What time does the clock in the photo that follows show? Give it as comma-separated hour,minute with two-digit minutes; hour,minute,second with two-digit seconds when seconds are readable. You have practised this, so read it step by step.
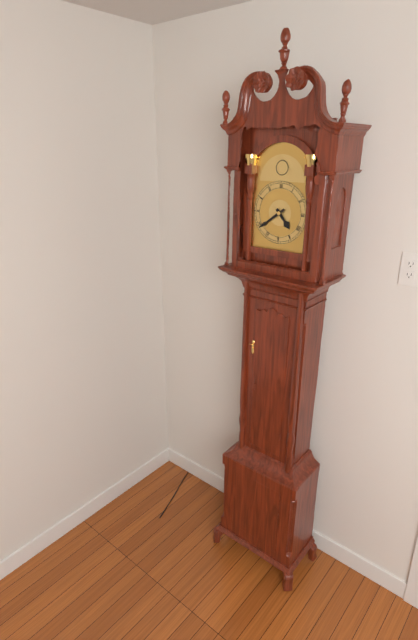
4,39
